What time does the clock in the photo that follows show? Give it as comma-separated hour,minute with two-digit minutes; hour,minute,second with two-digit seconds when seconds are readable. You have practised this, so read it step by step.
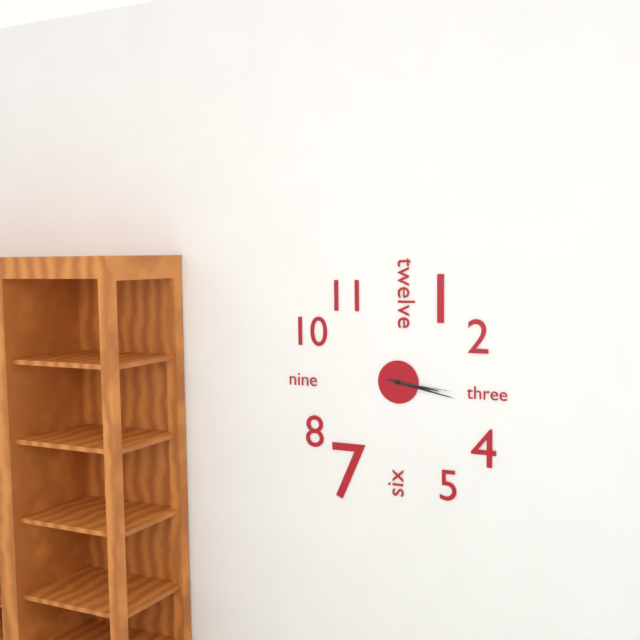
3,17,16
